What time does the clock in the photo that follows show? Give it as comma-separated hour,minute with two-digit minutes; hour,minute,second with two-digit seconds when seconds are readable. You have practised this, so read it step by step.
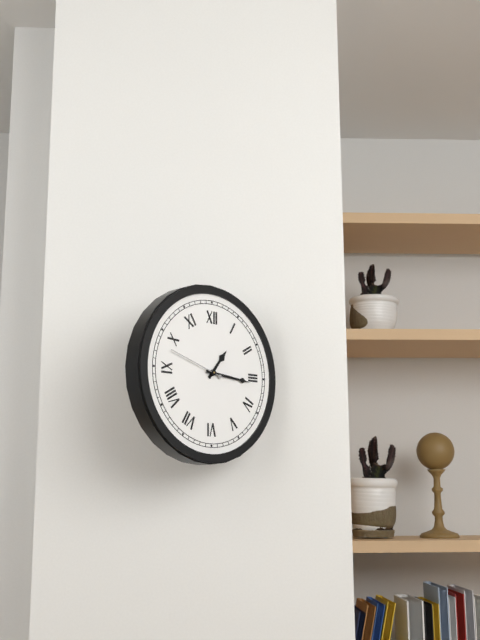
1,16,48
